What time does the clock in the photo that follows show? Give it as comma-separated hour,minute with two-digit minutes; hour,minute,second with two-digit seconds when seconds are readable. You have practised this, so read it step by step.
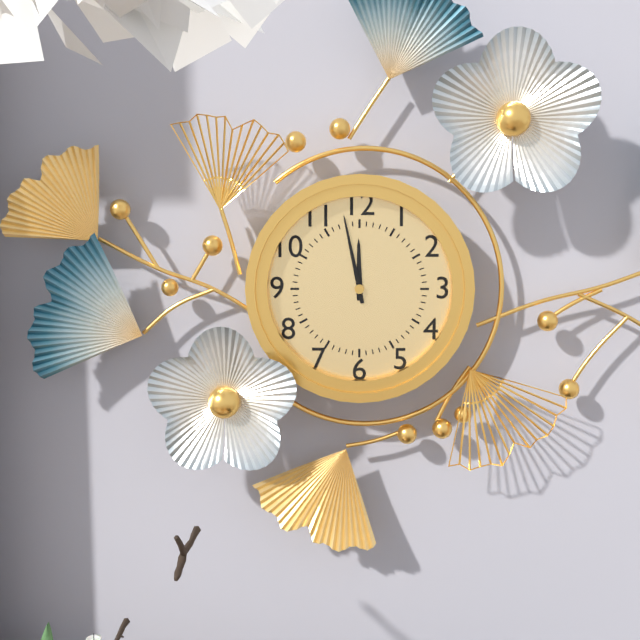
11,58
